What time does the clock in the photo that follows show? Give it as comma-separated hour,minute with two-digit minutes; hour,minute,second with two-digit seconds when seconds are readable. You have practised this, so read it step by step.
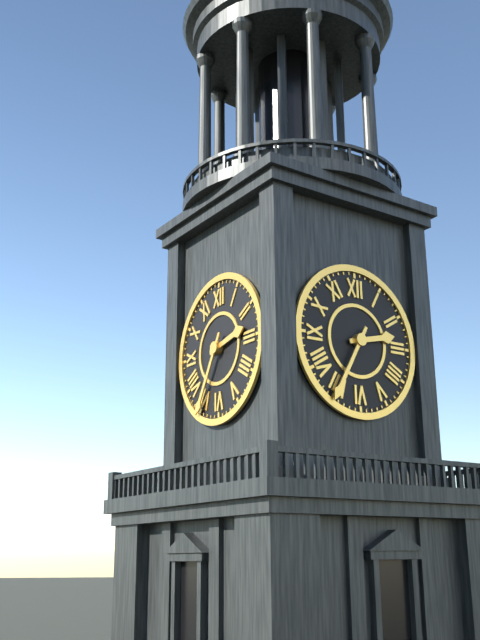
2,35
